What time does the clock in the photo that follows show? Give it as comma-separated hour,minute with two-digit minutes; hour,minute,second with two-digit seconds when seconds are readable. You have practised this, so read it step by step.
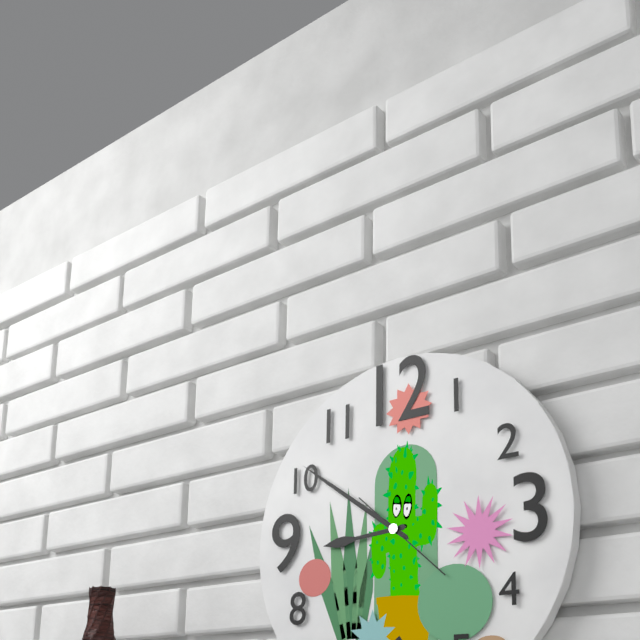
8,51,22
